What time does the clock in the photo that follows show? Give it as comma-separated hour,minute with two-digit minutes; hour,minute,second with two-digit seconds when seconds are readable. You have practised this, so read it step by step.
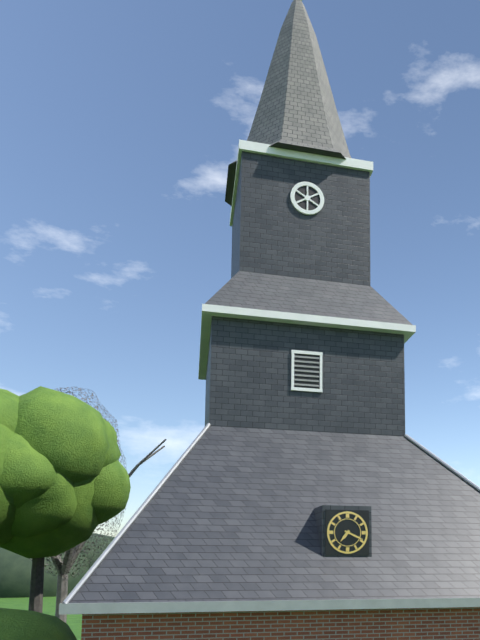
7,19
